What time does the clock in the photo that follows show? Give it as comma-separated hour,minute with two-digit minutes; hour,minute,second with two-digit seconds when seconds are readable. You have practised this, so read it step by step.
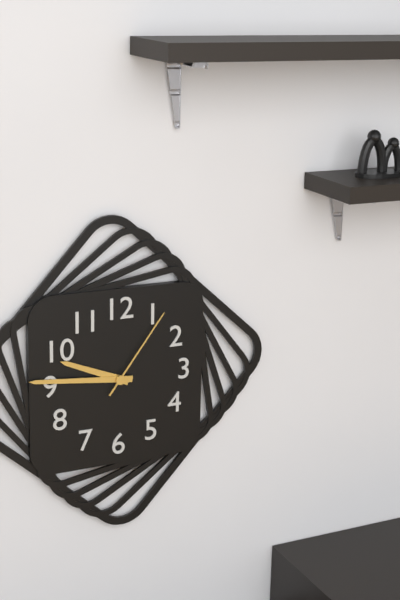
9,46,06
